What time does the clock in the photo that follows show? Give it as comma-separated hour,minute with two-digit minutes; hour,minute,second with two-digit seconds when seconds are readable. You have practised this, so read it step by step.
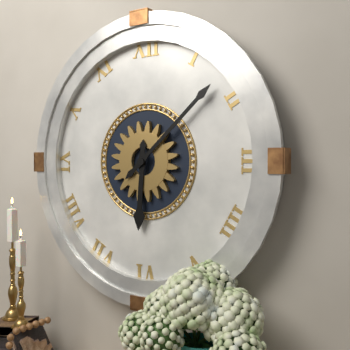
6,08
